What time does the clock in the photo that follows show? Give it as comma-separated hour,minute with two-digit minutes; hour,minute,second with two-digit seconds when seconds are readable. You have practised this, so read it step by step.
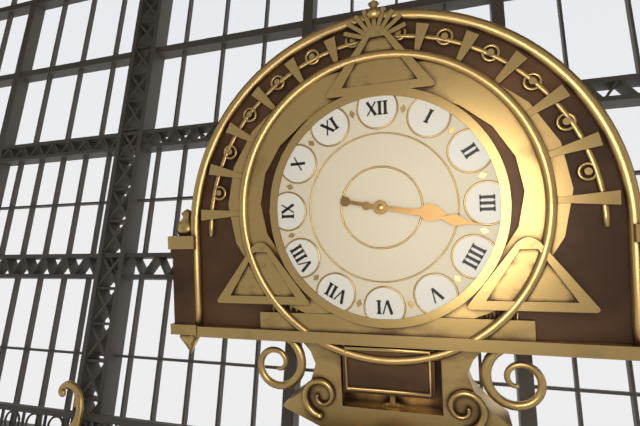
3,17
